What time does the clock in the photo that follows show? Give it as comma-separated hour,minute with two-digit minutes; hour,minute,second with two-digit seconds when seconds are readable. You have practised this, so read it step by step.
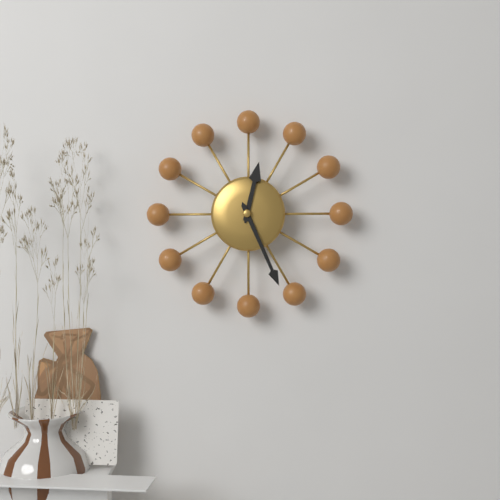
12,26
